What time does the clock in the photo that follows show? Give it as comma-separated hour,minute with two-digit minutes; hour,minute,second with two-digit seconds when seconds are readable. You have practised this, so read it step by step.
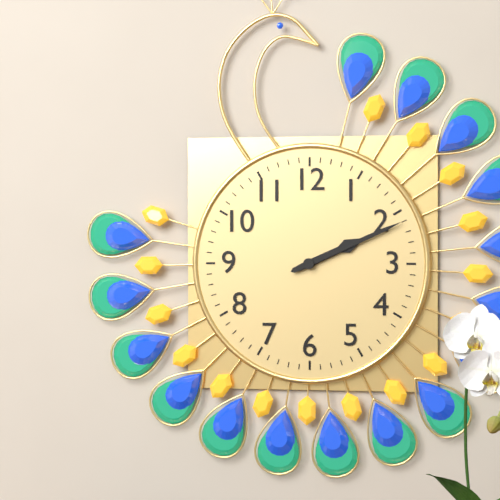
2,11
